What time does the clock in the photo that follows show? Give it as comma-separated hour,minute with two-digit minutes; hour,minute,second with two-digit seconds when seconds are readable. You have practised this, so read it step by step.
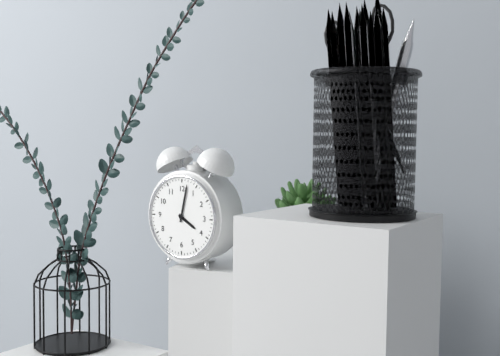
4,02
